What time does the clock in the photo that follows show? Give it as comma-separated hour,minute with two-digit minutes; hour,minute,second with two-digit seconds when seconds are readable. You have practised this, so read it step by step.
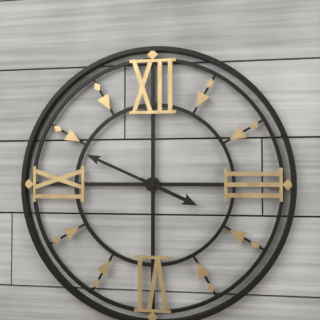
3,49
